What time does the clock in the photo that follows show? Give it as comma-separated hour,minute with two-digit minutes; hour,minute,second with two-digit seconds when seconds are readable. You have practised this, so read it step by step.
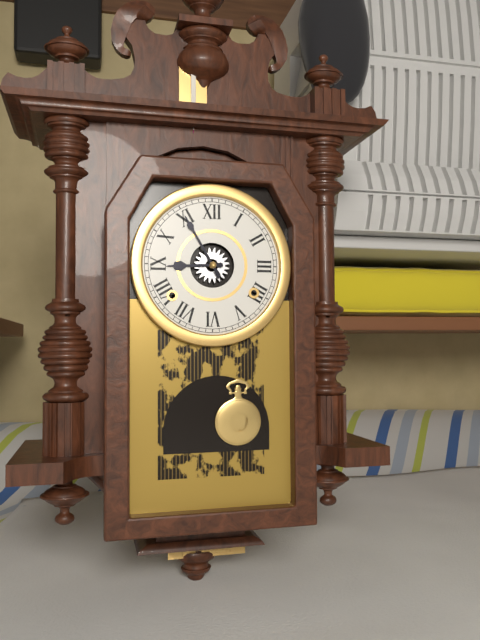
8,55
